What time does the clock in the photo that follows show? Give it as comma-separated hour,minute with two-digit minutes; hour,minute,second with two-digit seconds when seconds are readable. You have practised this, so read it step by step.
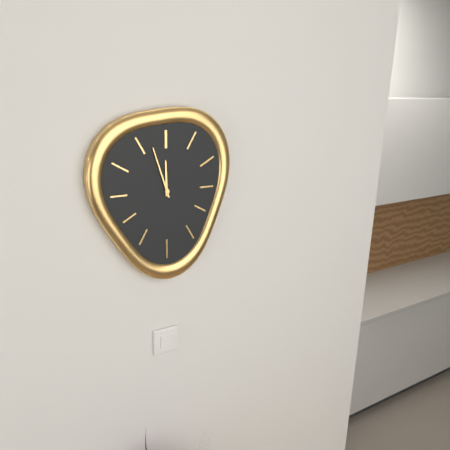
11,57
